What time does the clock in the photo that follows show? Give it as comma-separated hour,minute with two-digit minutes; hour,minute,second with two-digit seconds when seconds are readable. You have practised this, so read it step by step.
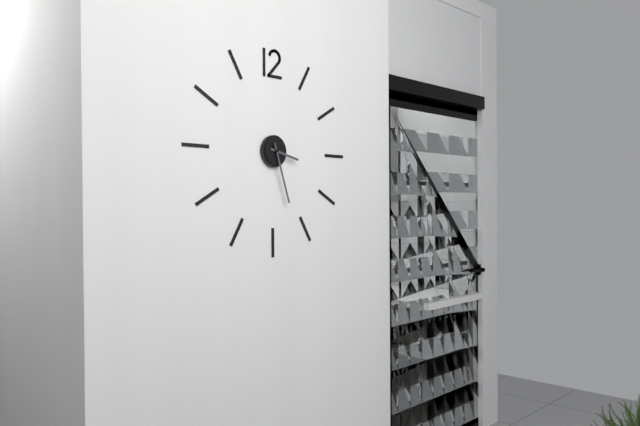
3,27
